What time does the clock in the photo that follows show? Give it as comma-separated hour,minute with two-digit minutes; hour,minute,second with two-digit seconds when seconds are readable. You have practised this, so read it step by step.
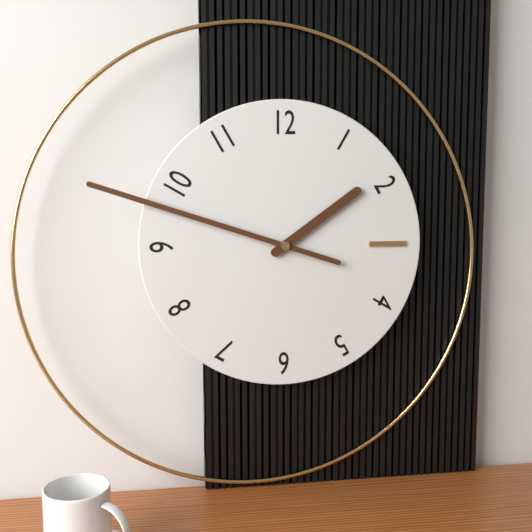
1,48
